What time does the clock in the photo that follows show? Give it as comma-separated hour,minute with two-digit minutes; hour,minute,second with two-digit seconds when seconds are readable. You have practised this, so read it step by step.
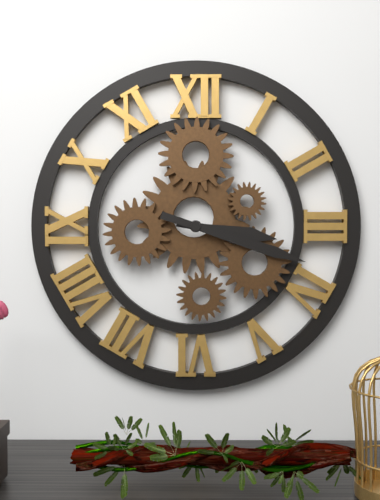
3,18
